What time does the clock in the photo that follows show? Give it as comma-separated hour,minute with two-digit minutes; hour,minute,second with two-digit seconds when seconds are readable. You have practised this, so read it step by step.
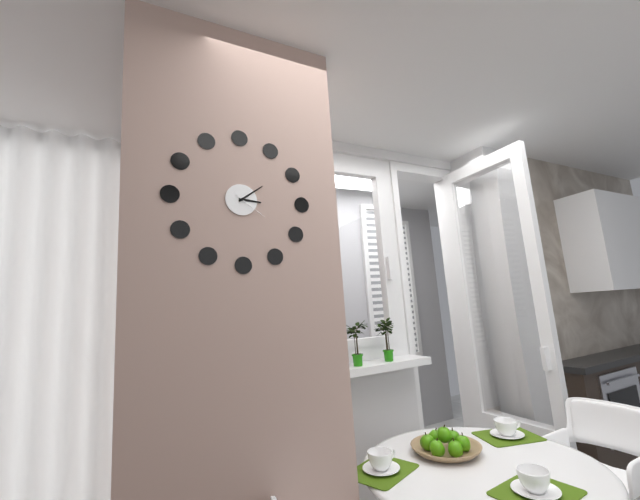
3,09
